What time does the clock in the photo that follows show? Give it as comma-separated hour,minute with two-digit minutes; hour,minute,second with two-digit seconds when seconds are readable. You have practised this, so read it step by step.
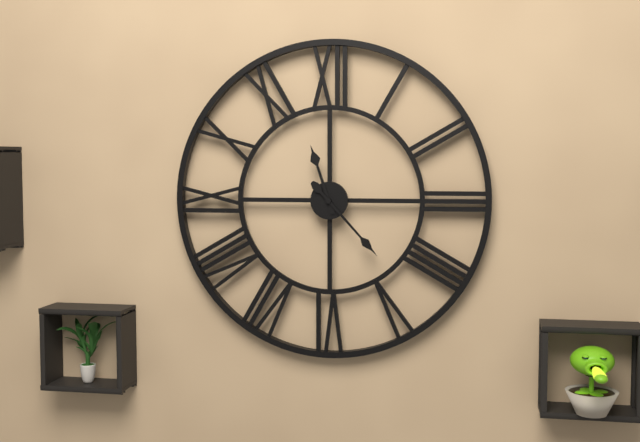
11,23
